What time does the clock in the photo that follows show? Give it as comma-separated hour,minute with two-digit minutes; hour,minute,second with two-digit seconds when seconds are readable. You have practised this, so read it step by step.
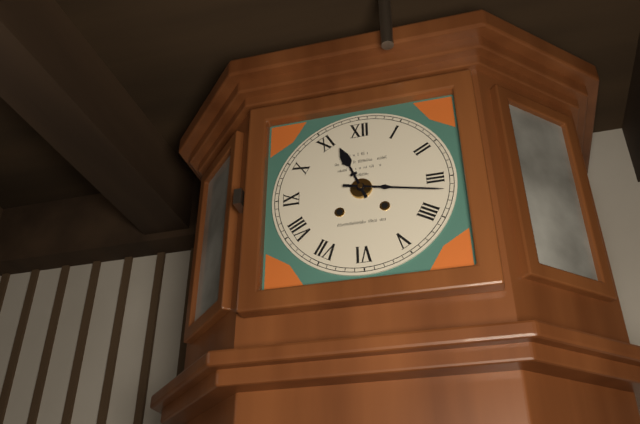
11,17
